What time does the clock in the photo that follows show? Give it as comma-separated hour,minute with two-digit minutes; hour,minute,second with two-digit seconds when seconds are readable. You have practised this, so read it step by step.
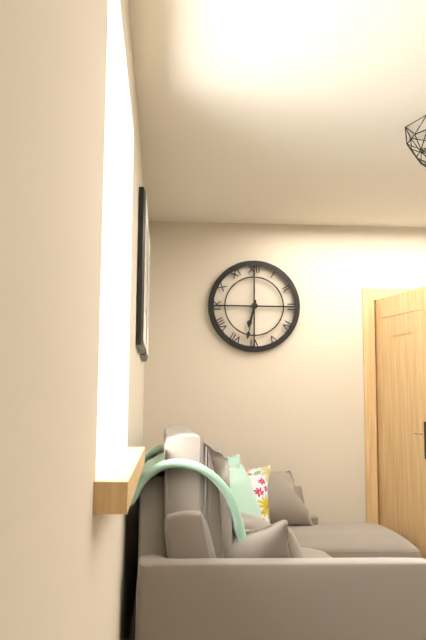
6,32
